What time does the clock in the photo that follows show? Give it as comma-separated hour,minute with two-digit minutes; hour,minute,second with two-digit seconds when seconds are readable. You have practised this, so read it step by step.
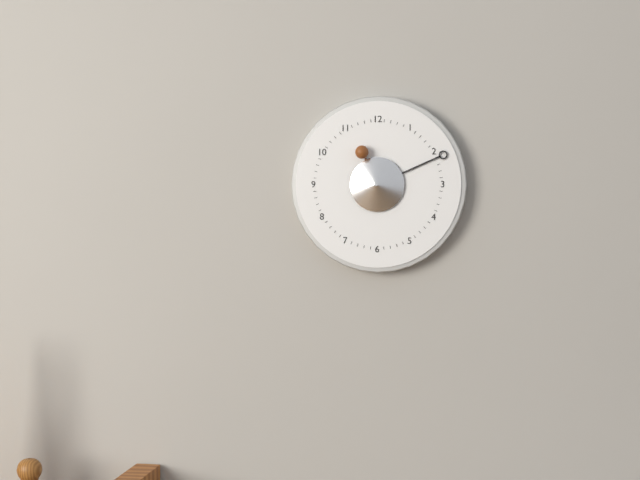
11,11
